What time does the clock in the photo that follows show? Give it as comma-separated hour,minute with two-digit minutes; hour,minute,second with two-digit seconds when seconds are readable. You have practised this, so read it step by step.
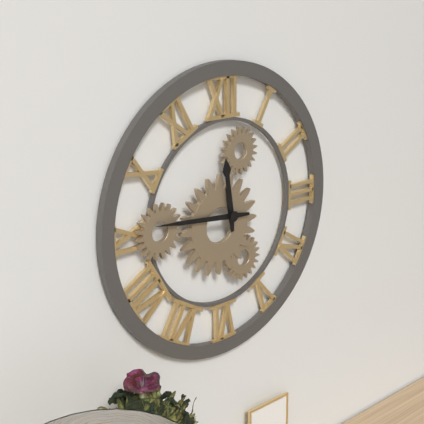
11,46
